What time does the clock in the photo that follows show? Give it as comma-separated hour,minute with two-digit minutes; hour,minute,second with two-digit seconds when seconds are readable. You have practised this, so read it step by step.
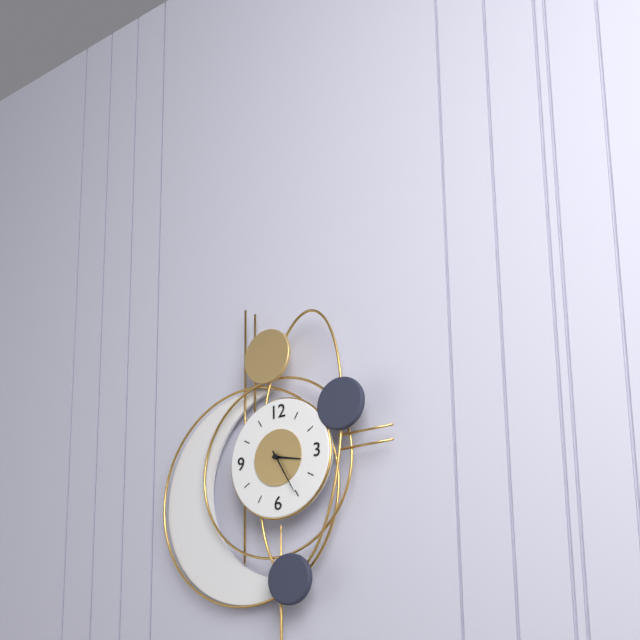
3,25
